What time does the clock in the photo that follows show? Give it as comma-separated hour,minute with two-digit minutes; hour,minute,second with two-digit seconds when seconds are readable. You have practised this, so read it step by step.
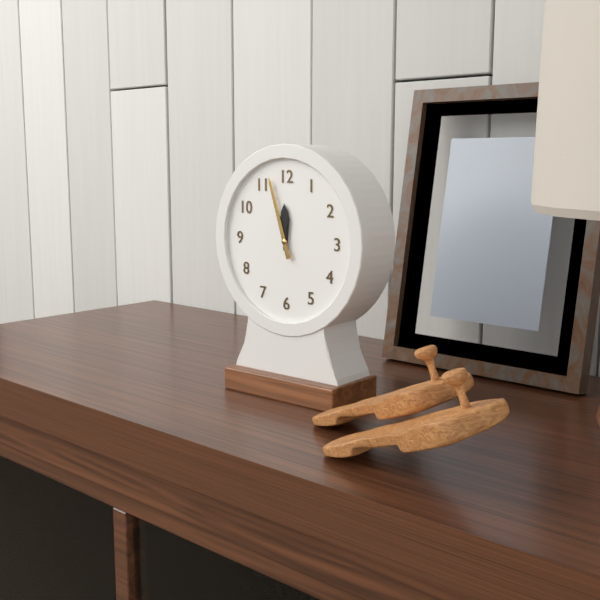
11,57
